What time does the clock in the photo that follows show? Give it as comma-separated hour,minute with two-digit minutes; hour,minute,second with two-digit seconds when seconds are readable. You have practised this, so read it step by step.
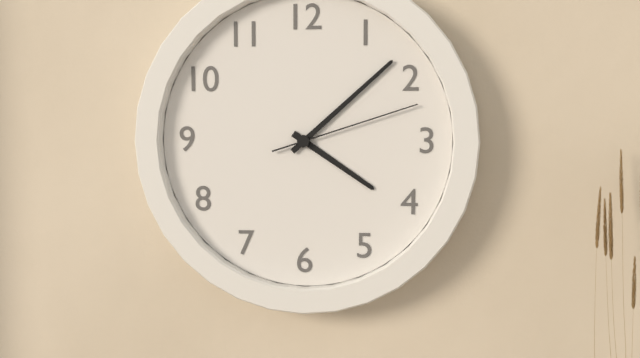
4,08,12
